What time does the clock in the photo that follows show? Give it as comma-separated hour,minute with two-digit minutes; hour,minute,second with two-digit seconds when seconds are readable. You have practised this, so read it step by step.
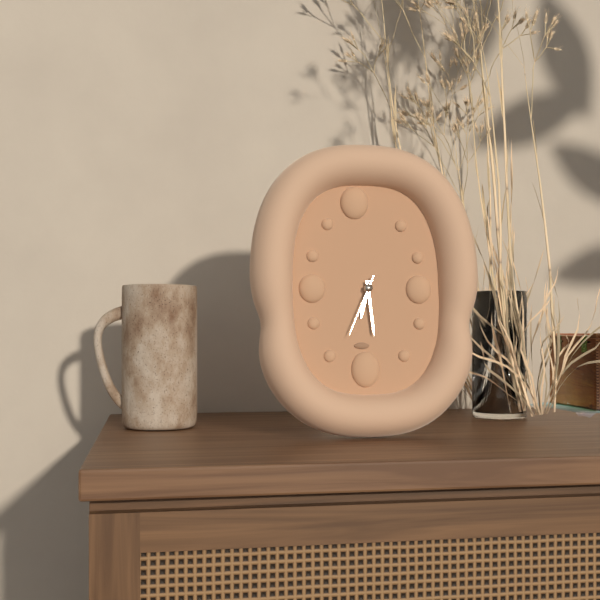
6,29,34
